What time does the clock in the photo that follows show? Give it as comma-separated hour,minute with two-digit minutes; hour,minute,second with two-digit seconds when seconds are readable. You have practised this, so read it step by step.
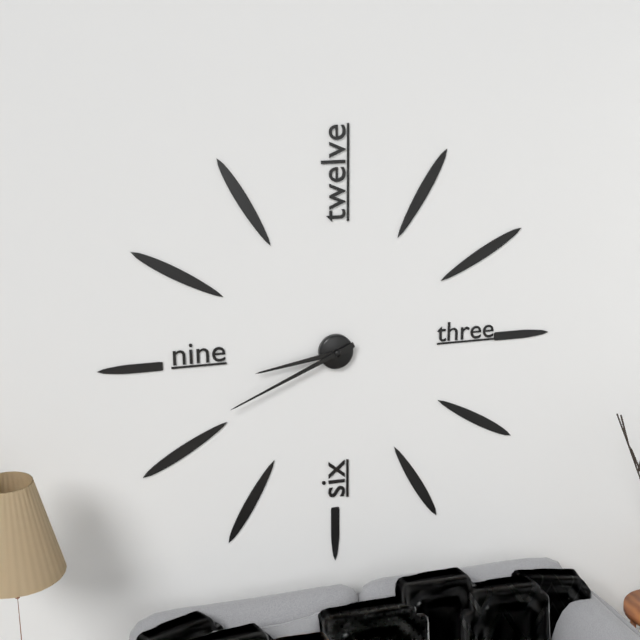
8,41
